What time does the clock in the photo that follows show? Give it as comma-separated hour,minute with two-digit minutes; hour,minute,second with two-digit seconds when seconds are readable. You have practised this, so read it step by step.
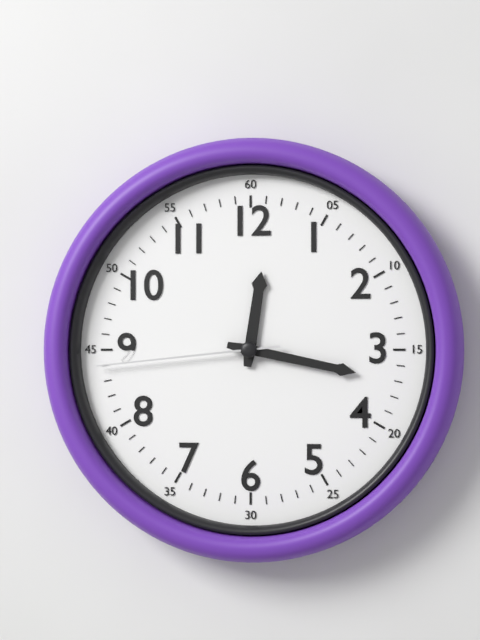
12,17,44
